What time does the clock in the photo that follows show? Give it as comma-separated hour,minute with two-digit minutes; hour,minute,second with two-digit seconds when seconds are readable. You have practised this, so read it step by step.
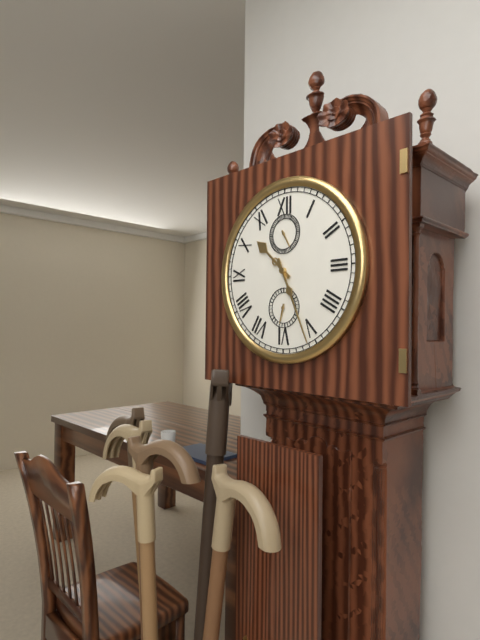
10,26
